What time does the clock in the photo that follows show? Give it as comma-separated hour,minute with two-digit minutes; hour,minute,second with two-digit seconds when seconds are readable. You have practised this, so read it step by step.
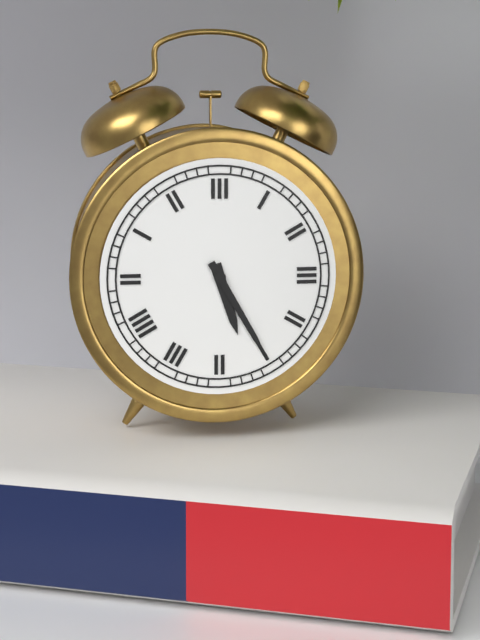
5,25
